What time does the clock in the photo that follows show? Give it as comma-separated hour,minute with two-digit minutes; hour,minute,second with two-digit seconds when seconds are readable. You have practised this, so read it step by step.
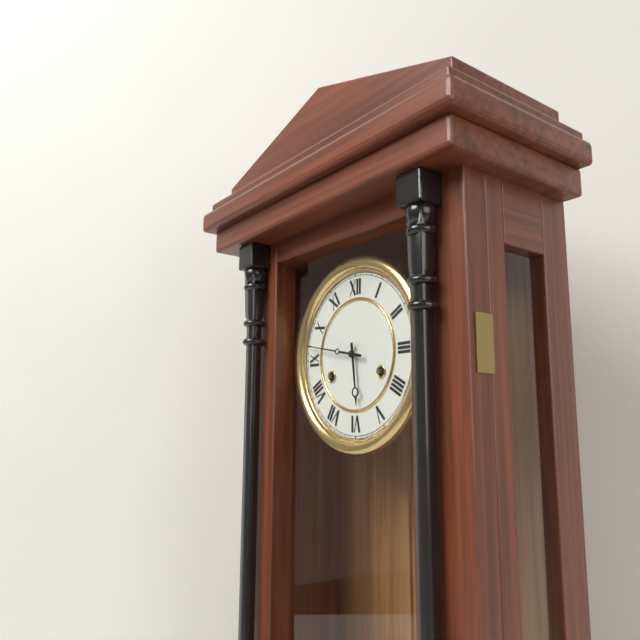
5,47
